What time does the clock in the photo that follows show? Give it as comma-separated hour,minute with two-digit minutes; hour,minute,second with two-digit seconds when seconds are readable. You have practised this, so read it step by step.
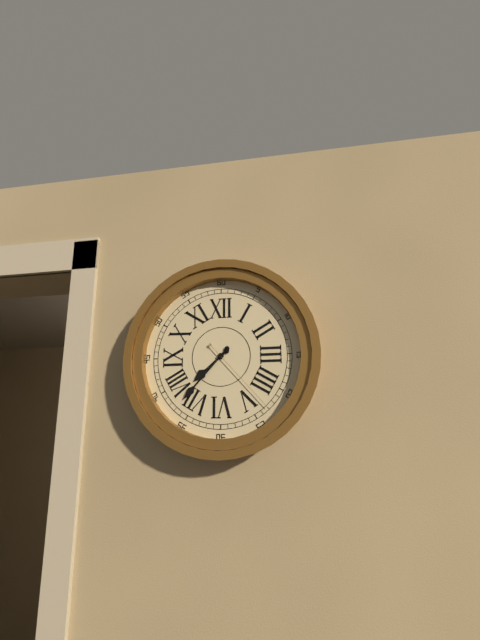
7,37,23
